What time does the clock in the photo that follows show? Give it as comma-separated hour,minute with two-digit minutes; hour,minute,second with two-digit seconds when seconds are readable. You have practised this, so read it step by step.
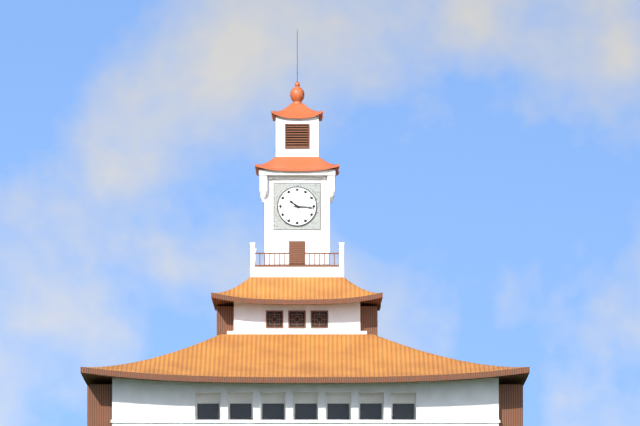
10,16
